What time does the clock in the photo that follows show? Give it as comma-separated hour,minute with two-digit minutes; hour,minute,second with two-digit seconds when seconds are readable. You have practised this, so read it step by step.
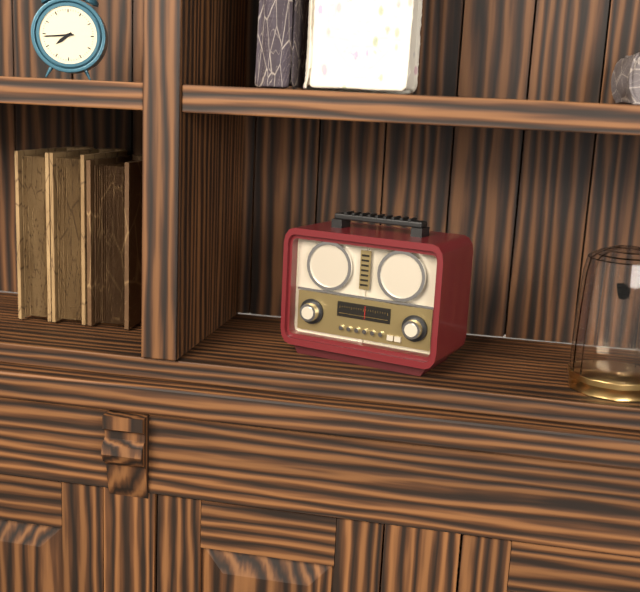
7,44
